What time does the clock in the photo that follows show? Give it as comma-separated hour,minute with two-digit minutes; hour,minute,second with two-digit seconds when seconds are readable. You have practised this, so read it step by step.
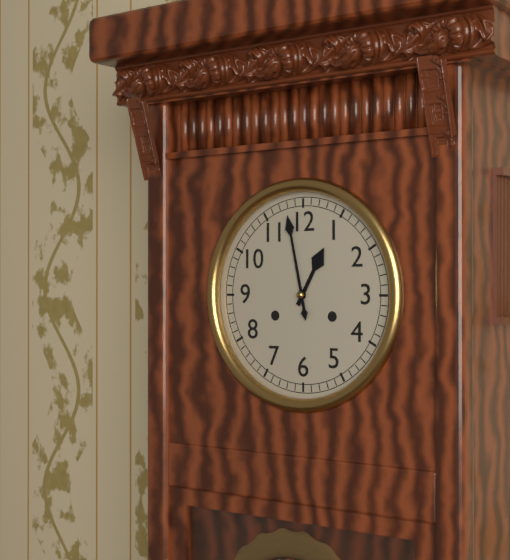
12,58
